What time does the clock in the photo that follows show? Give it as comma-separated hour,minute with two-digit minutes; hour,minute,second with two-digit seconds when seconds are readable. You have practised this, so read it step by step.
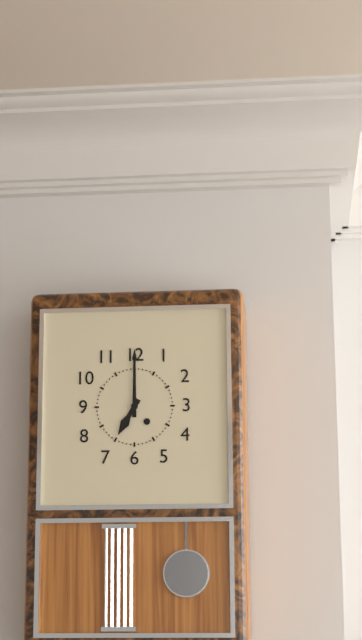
7,00
